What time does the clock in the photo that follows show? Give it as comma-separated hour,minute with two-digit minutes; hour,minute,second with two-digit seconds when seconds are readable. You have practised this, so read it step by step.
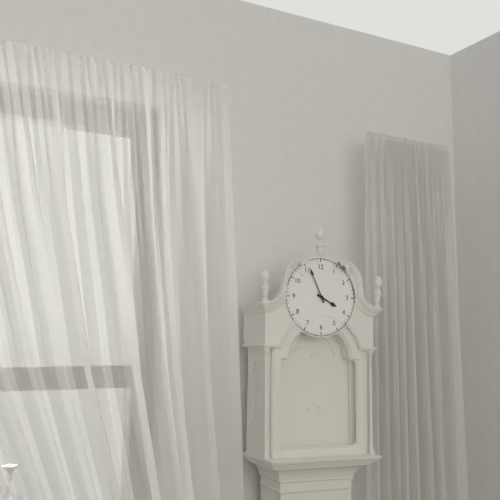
3,56
